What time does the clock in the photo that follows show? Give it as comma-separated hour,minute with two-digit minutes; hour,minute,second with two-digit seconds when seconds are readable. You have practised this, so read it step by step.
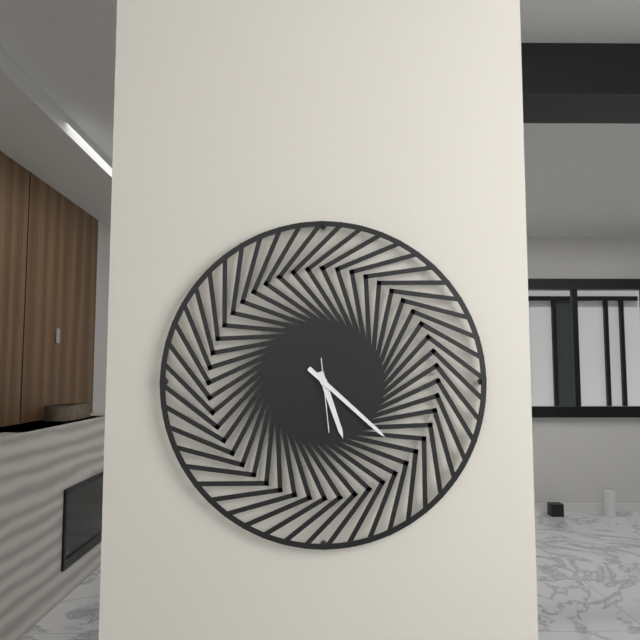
5,22,29
